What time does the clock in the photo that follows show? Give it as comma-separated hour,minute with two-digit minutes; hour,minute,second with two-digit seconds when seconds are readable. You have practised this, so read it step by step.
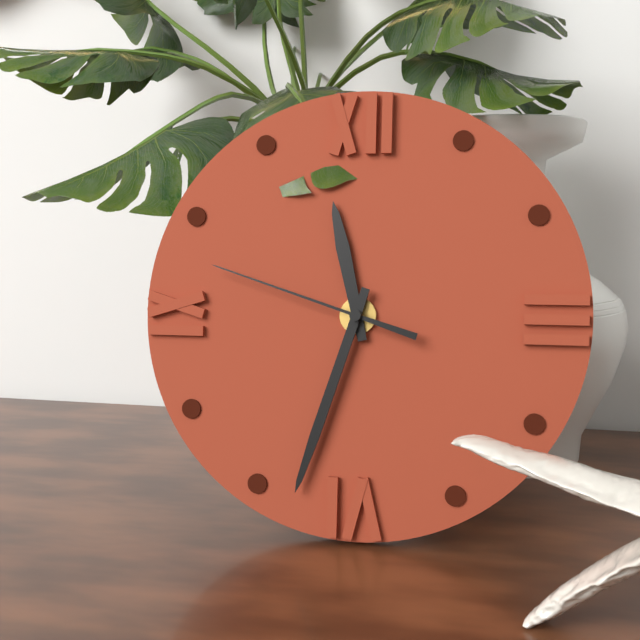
11,33,48
